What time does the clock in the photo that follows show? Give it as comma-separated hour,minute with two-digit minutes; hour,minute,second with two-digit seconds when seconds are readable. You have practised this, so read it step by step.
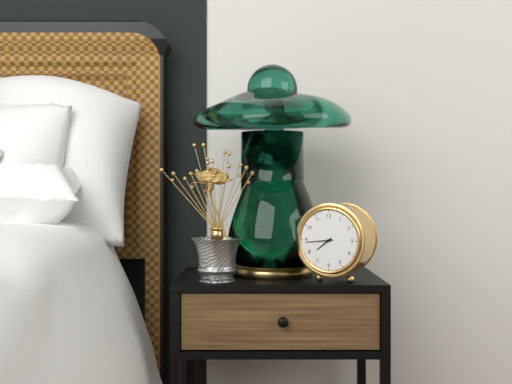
7,44
